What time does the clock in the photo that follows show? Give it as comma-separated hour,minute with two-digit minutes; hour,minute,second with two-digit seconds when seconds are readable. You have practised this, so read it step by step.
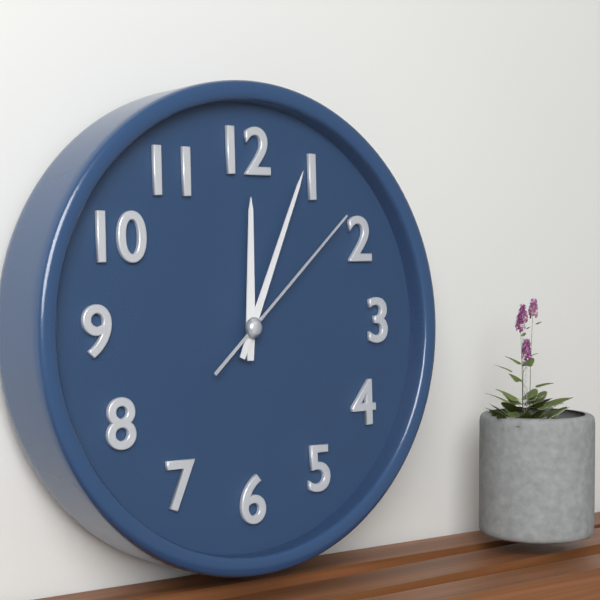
12,04,08
